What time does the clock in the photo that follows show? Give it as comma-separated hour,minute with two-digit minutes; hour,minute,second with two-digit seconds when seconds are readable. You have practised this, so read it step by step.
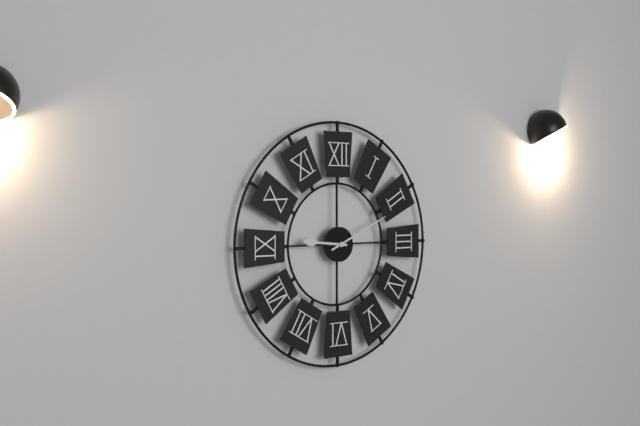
9,11
